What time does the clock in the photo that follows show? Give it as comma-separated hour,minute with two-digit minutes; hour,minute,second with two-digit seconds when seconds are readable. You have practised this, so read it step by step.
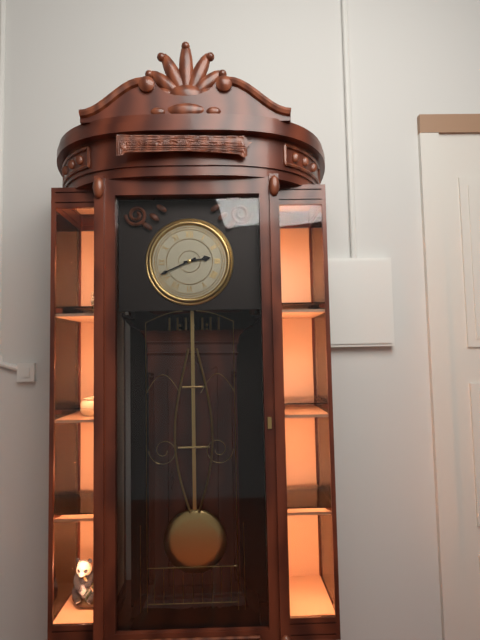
2,41
